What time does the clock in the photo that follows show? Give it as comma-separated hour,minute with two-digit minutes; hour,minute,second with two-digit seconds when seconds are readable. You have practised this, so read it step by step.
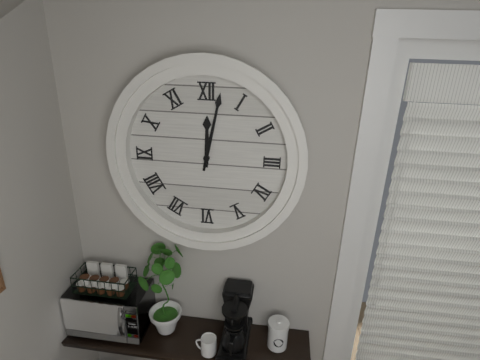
12,02
